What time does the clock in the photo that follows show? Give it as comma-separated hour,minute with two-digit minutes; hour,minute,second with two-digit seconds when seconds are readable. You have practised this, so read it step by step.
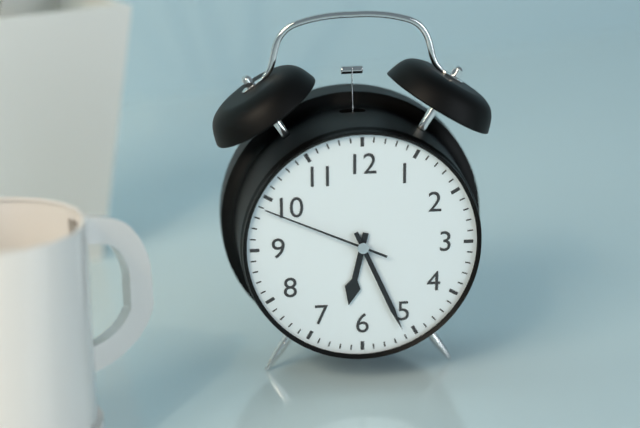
6,26,49
